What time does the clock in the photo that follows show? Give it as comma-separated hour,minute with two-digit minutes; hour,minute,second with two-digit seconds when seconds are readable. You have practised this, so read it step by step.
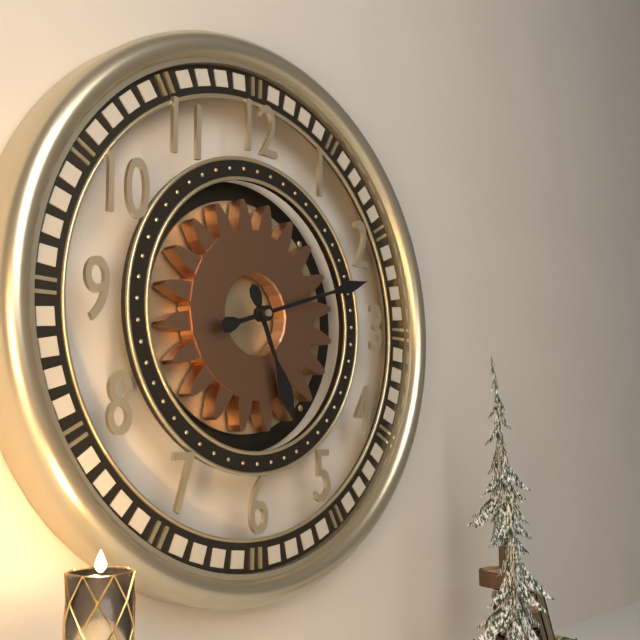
5,12
